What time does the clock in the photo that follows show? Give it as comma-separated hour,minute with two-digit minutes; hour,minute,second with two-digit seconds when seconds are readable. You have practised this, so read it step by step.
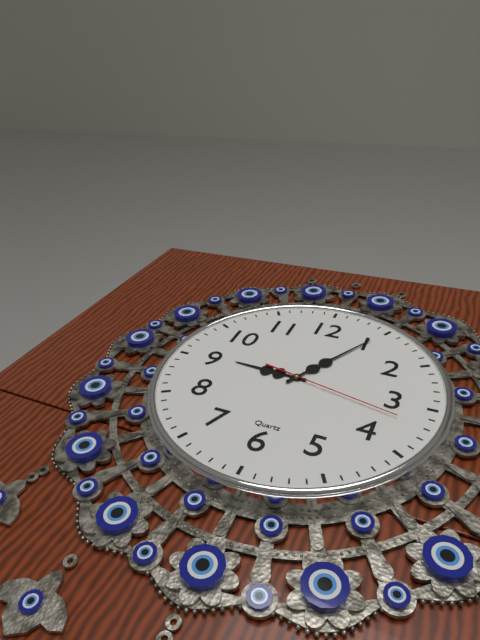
9,05,17
